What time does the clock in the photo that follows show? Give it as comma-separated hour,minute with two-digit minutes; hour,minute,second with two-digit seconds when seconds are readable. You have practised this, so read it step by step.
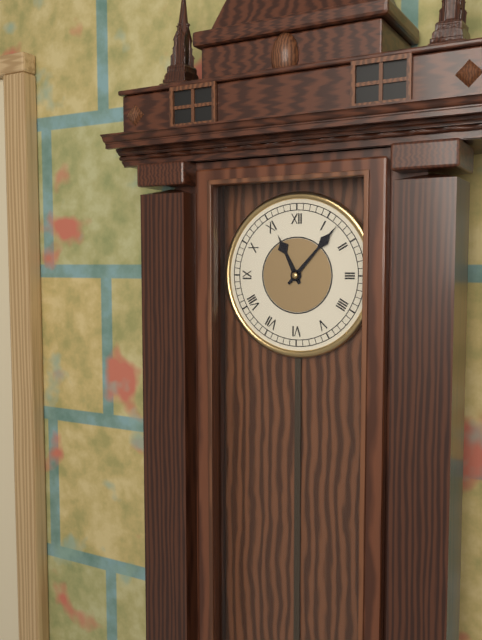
11,07
